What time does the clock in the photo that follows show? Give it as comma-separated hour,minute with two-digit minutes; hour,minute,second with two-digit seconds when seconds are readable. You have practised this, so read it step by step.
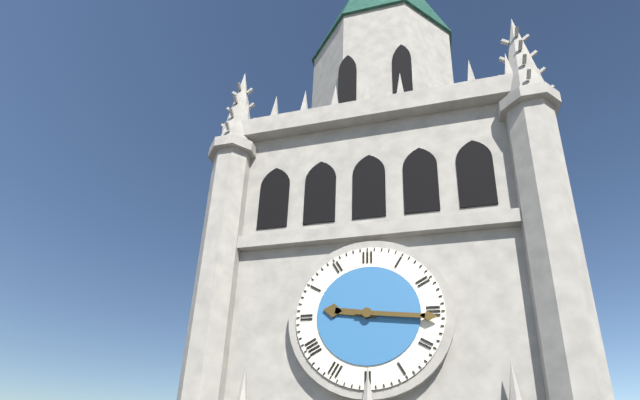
9,16
